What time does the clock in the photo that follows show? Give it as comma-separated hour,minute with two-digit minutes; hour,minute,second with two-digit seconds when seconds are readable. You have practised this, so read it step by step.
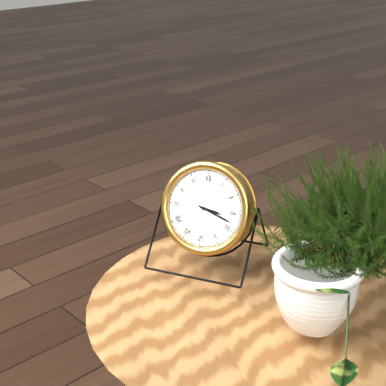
3,18
